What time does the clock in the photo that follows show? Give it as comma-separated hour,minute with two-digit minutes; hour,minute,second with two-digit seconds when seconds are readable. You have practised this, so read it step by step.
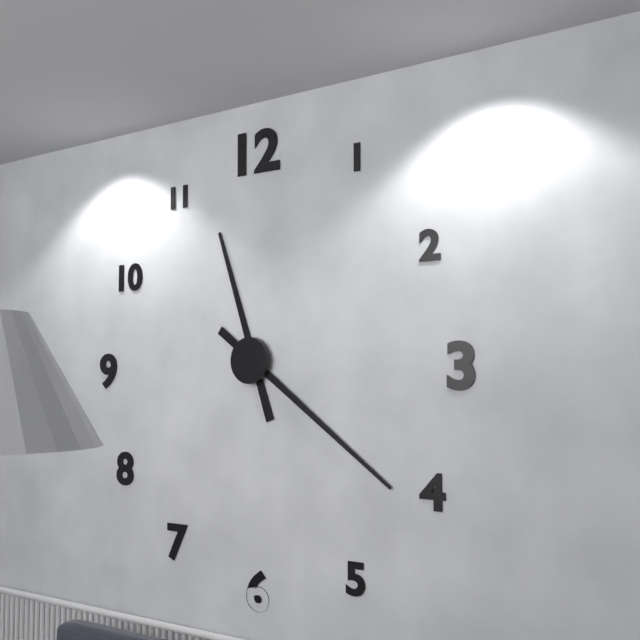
11,21
